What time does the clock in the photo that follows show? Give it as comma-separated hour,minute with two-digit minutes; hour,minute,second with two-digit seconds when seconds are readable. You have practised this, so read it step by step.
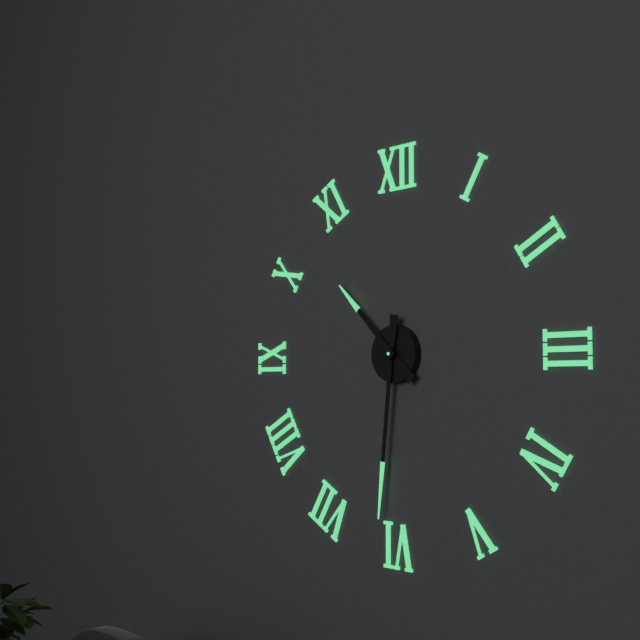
10,31
